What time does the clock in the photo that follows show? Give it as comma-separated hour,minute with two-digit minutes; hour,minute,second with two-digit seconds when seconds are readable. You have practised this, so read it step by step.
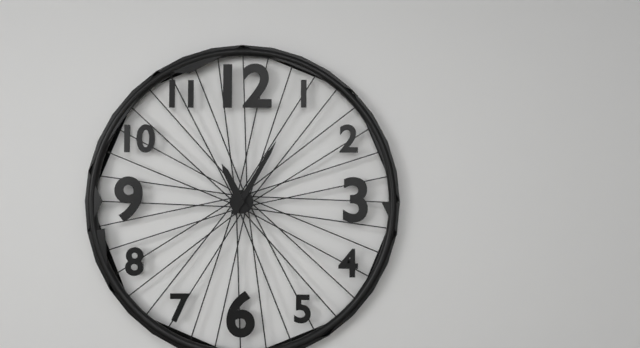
11,05
